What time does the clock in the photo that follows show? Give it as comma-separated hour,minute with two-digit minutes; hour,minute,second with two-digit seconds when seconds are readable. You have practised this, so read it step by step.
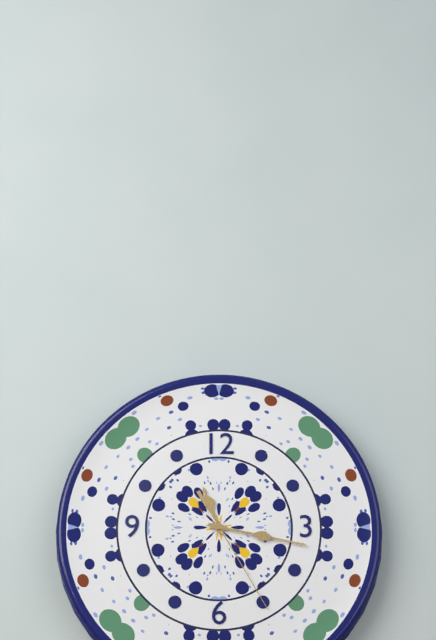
11,17,25
